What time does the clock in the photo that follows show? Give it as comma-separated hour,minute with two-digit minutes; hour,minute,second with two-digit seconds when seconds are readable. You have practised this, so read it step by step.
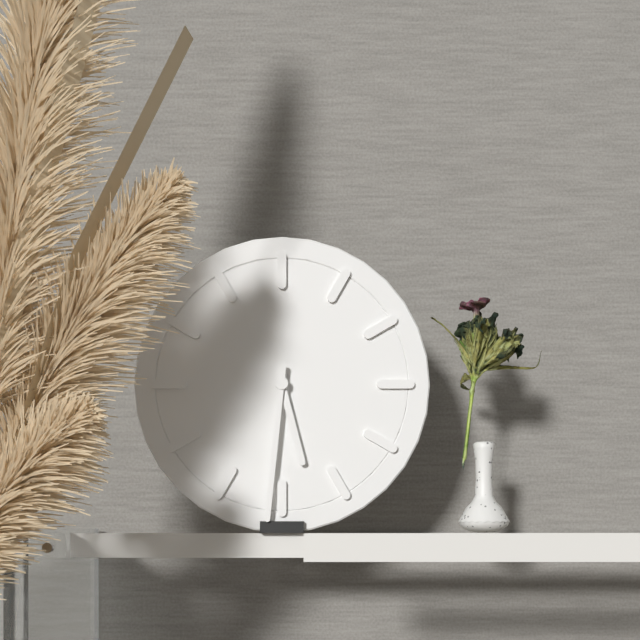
5,31
